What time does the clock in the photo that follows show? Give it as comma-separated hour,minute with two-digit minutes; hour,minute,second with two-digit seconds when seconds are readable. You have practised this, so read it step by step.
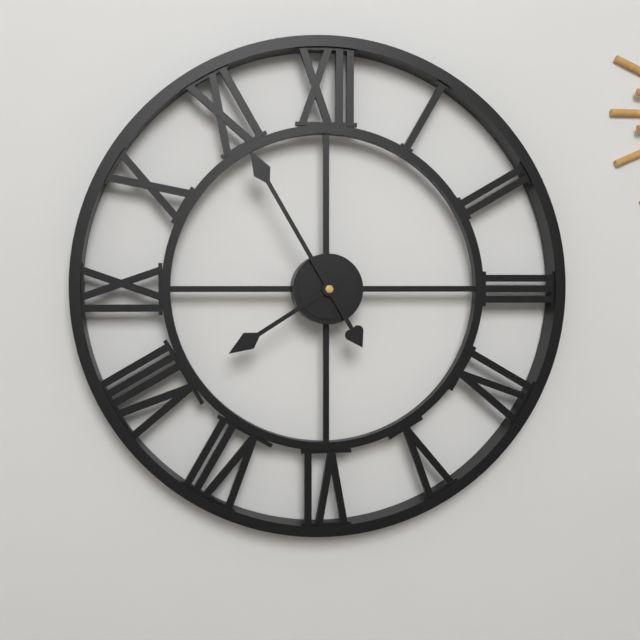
7,55
